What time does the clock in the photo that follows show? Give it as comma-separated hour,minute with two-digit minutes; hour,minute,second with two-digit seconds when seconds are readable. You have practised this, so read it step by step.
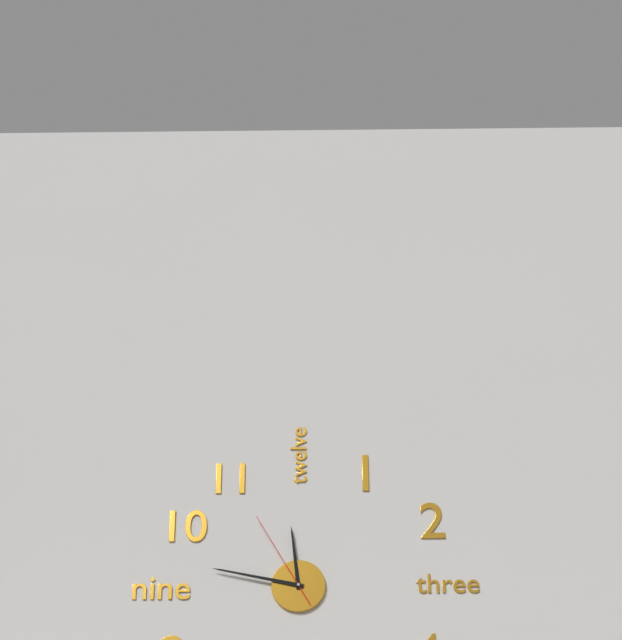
11,47,55
